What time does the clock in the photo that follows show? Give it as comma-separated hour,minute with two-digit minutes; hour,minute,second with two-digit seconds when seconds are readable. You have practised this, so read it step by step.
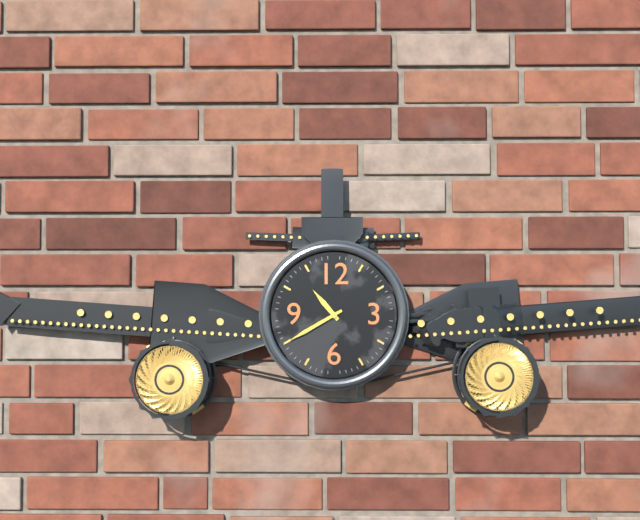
10,40
